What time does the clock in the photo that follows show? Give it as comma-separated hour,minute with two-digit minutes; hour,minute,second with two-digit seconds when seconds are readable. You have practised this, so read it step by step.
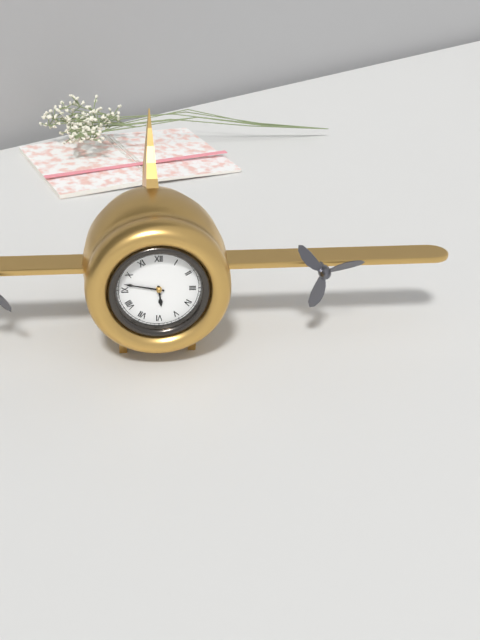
5,47
